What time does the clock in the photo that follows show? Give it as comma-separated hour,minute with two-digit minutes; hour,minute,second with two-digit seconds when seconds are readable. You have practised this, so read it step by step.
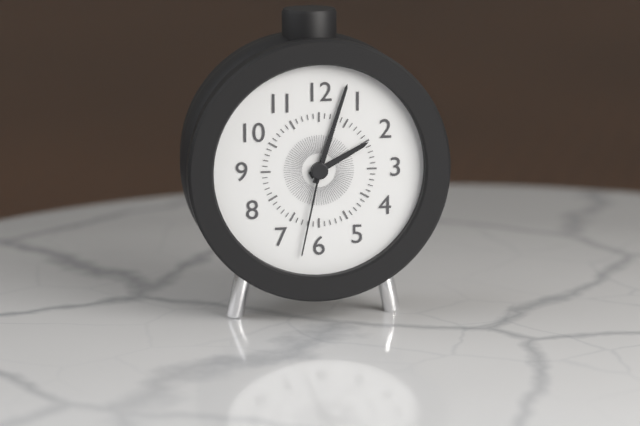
2,03,32
